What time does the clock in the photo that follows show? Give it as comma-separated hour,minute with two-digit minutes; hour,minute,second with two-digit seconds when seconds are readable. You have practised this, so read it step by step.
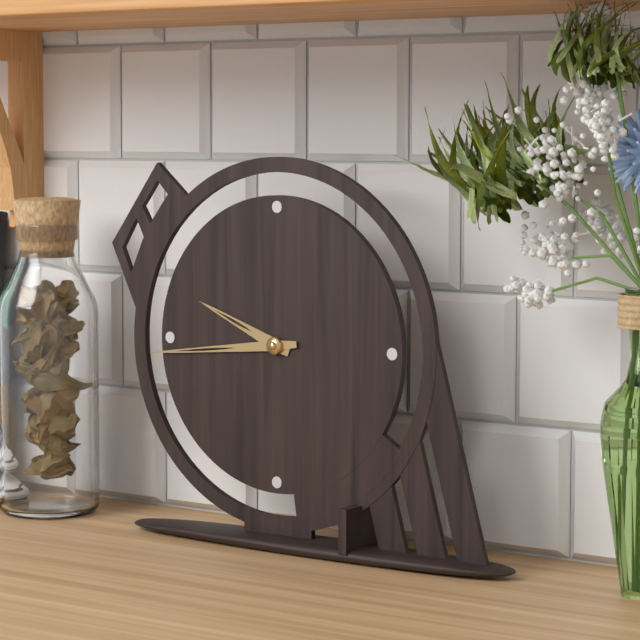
9,44
